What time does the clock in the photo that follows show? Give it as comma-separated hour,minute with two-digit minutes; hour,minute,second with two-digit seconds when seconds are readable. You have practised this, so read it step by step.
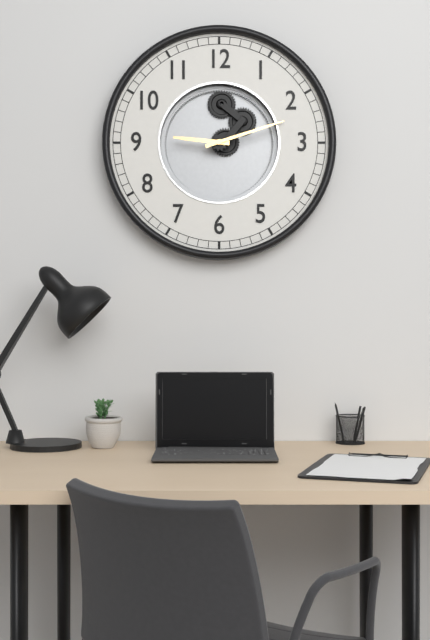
9,12
